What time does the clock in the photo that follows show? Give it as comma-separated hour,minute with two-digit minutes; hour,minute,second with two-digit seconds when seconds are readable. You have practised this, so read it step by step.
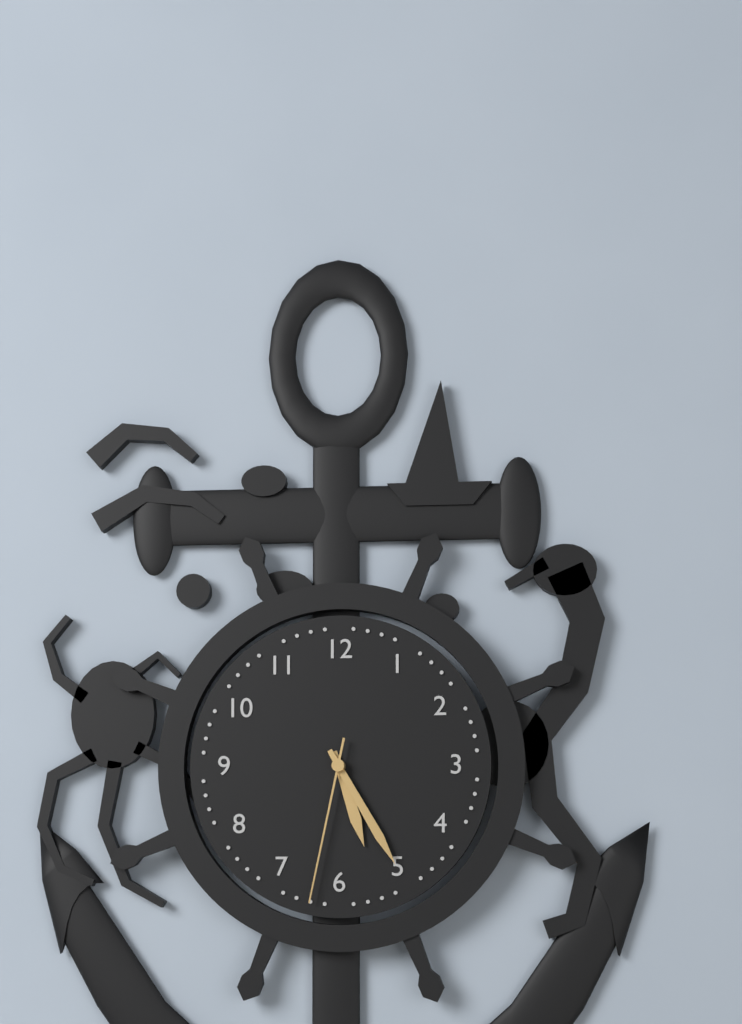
5,25,32
